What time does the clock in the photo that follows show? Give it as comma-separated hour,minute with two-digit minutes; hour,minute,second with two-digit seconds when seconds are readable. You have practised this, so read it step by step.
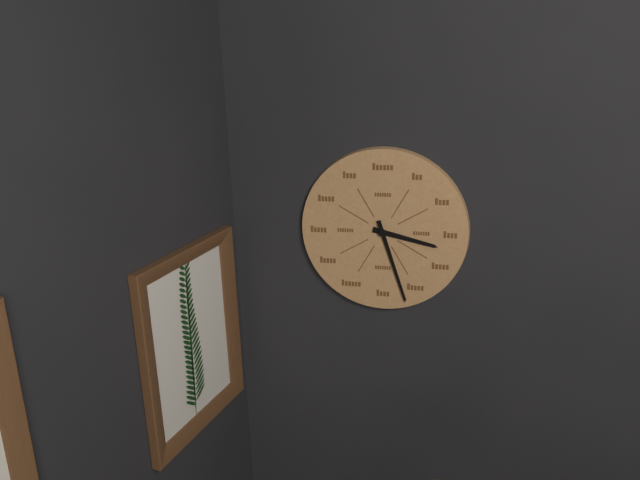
3,27
